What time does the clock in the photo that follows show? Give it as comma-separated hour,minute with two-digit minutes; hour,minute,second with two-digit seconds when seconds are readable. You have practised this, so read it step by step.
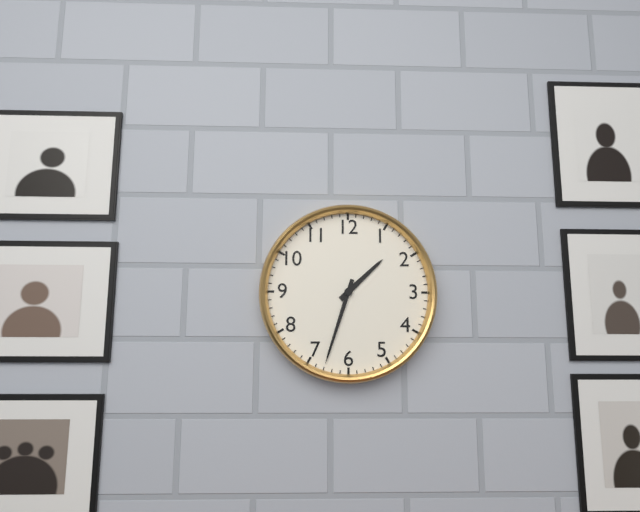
1,33
